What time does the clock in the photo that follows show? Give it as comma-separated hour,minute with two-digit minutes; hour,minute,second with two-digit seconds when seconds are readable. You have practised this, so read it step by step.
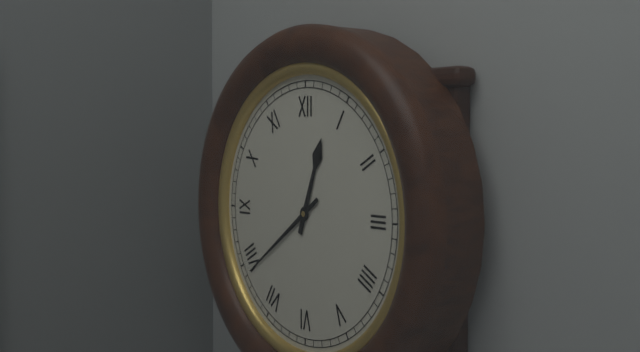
12,39
